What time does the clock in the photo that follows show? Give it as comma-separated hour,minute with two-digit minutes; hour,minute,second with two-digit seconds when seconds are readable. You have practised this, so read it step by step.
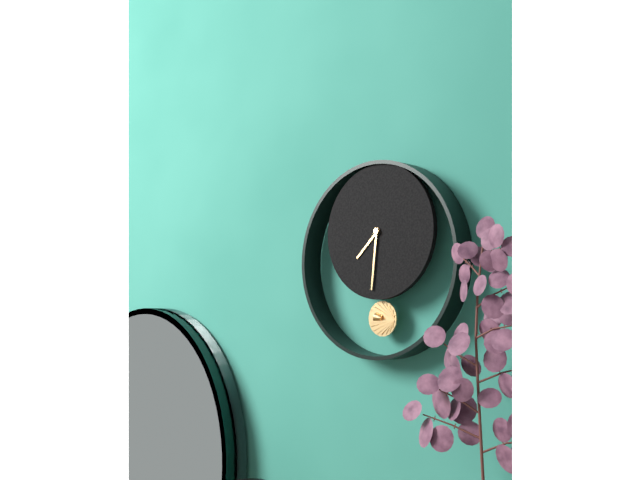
7,31
